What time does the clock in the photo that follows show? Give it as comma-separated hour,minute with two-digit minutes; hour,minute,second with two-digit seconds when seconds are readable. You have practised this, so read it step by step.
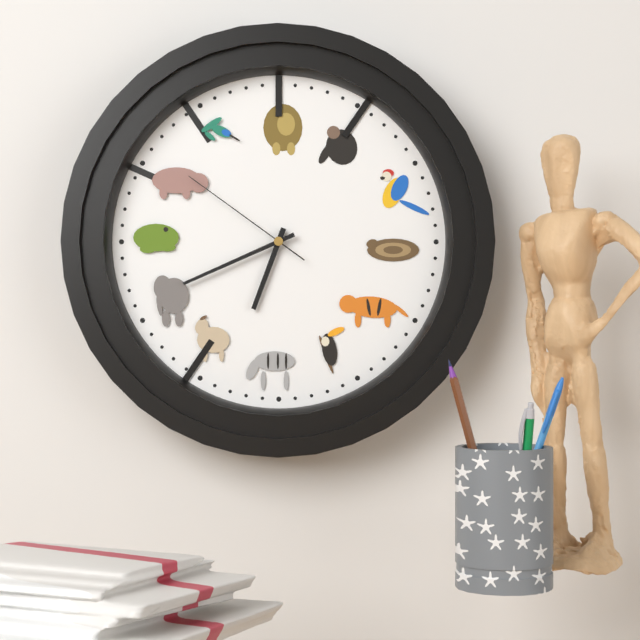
6,41,51
